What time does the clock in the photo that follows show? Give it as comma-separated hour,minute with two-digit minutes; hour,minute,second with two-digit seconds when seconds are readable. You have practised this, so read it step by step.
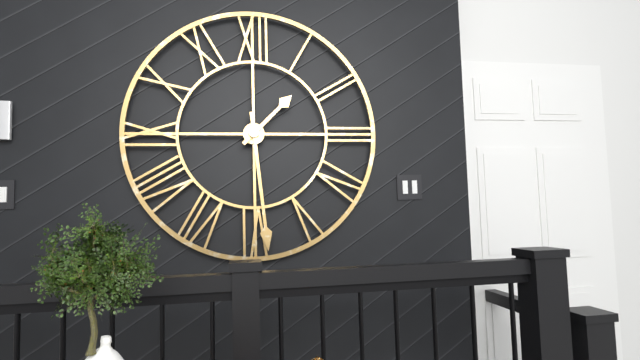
1,29
